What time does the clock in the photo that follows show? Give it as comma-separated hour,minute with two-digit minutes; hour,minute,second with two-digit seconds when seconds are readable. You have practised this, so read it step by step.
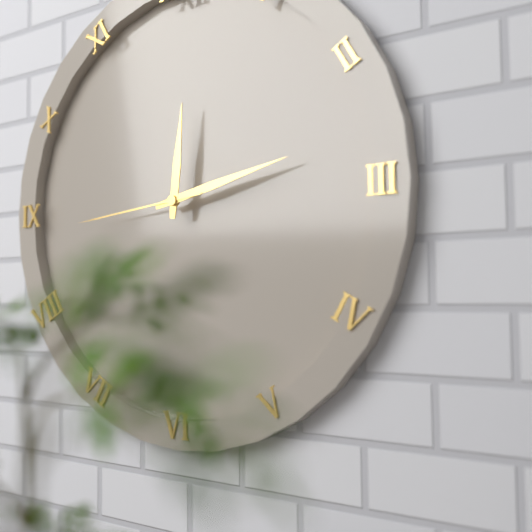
12,13,44
